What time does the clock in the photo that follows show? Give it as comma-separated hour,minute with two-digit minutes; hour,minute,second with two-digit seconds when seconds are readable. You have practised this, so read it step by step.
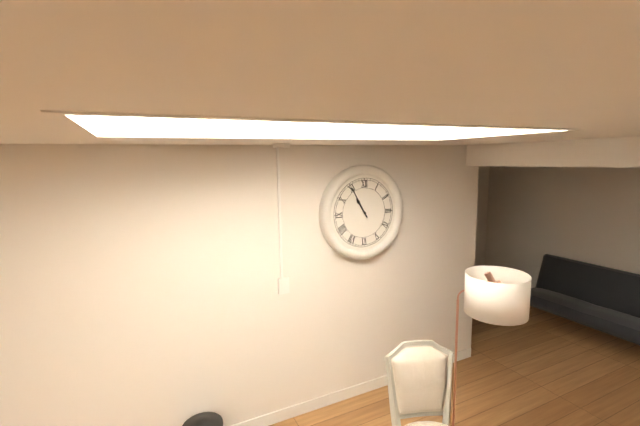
10,55
